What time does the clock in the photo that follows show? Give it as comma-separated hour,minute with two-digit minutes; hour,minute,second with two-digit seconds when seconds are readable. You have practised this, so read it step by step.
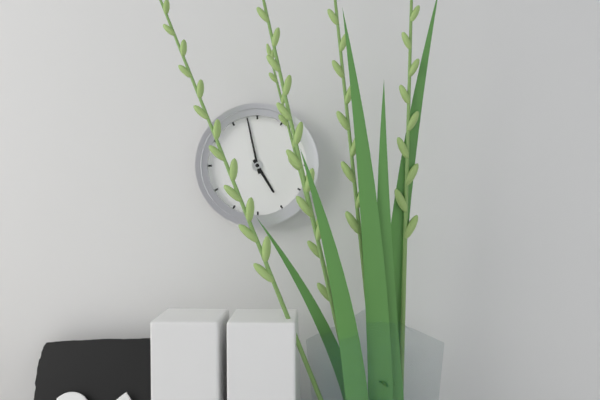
4,58
